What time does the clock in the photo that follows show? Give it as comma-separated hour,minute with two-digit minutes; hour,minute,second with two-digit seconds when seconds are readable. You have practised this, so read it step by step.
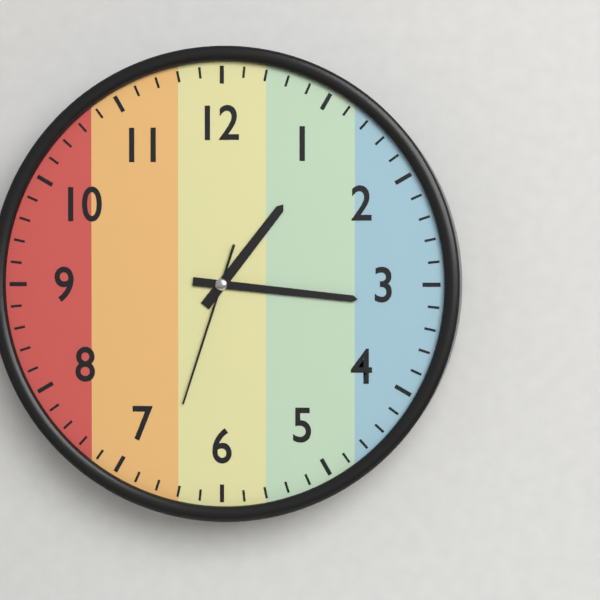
1,16,33
